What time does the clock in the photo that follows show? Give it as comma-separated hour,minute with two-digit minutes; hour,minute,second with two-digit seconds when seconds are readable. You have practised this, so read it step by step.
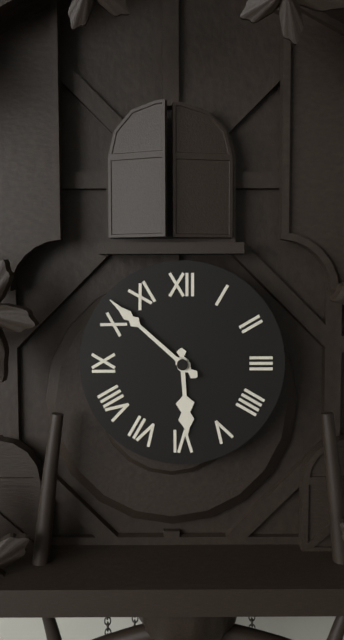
5,52
